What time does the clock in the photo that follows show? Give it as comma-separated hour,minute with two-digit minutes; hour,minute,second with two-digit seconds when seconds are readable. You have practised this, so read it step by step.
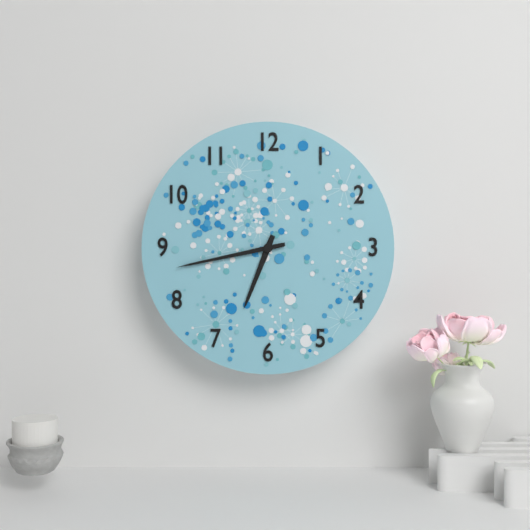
6,43
